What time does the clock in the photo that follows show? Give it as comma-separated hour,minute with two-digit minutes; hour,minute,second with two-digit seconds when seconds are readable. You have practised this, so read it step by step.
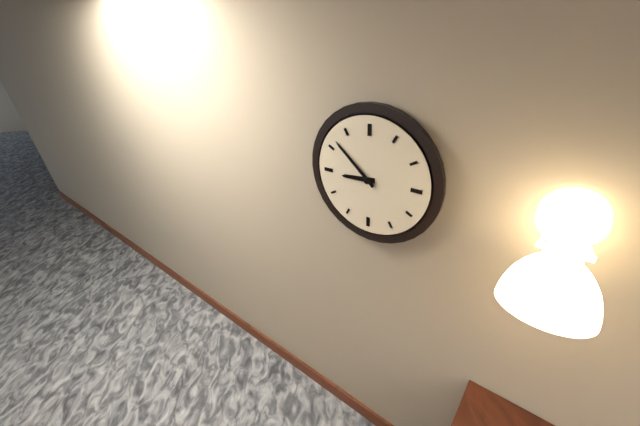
8,52
